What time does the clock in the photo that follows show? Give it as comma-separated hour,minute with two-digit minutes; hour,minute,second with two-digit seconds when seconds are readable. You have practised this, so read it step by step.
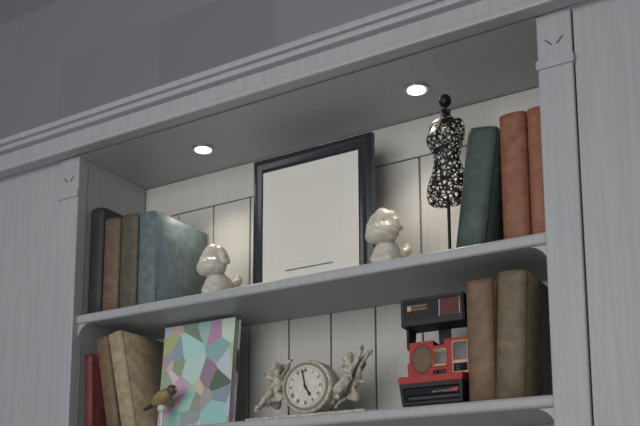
4,58
